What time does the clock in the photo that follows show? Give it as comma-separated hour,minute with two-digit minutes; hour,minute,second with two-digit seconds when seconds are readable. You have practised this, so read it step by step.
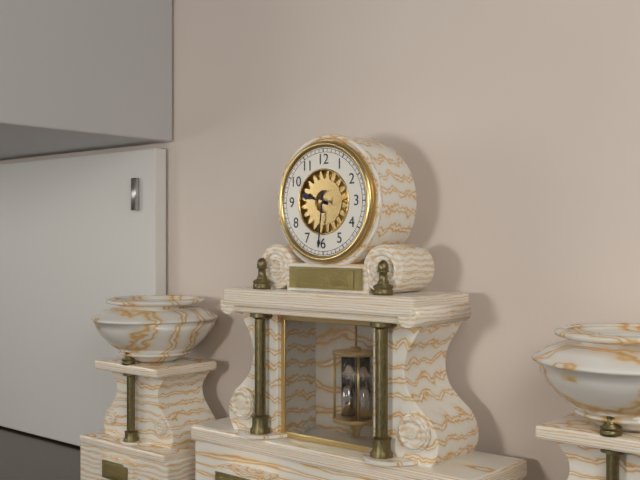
9,31
